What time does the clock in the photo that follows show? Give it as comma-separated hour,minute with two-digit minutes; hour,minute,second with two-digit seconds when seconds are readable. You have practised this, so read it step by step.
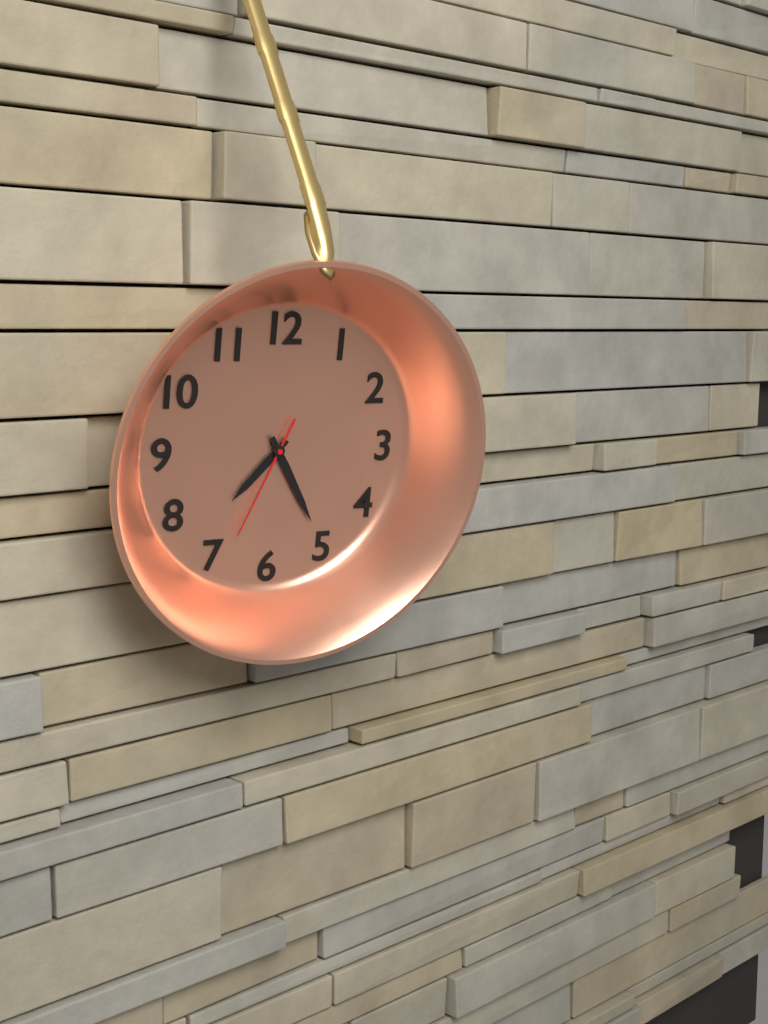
7,25,34
